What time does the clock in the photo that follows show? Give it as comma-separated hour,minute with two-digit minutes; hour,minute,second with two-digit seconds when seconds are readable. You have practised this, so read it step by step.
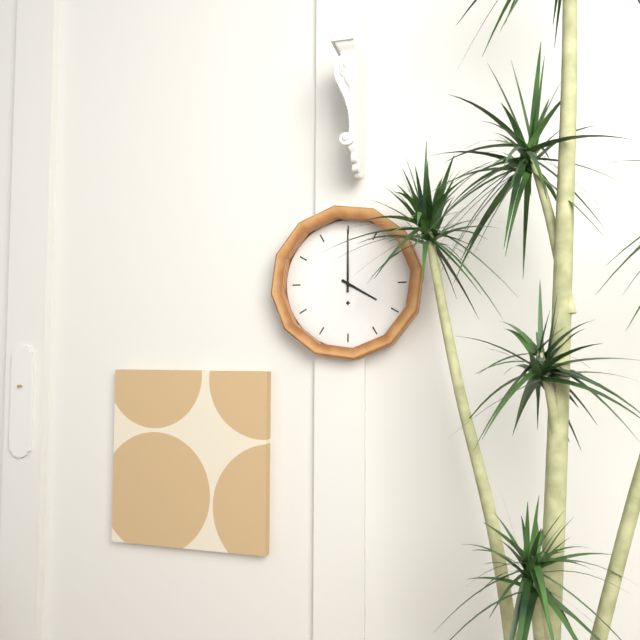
4,00
